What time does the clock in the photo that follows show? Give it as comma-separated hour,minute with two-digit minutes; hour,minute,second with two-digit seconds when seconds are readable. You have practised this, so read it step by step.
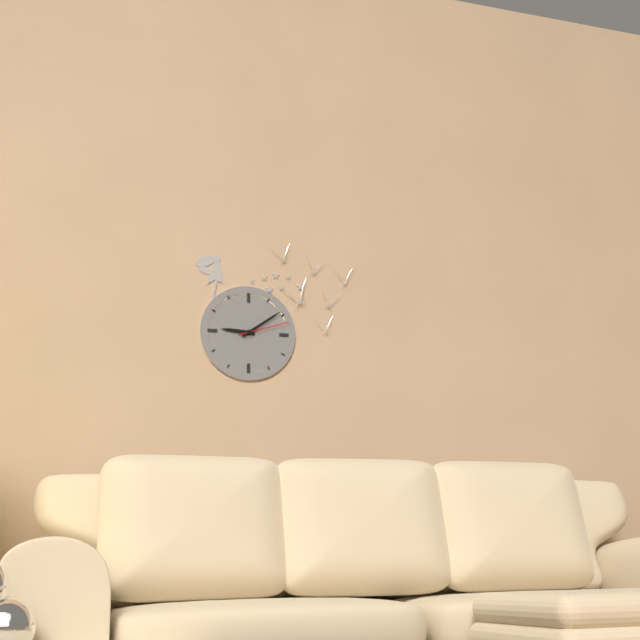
9,09,12
